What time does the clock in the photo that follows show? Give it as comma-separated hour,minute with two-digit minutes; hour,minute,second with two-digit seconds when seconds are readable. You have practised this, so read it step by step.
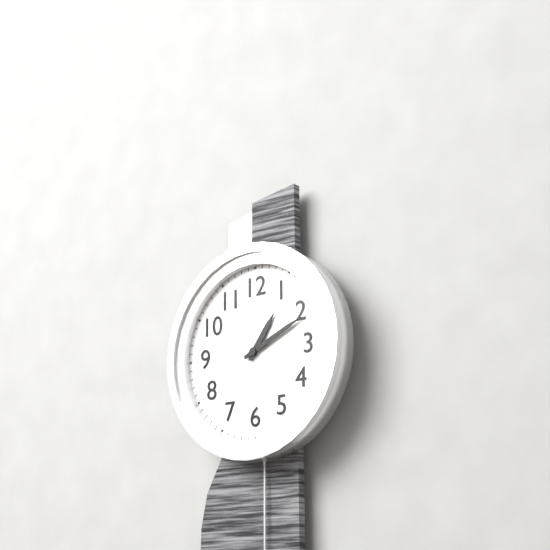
1,11
